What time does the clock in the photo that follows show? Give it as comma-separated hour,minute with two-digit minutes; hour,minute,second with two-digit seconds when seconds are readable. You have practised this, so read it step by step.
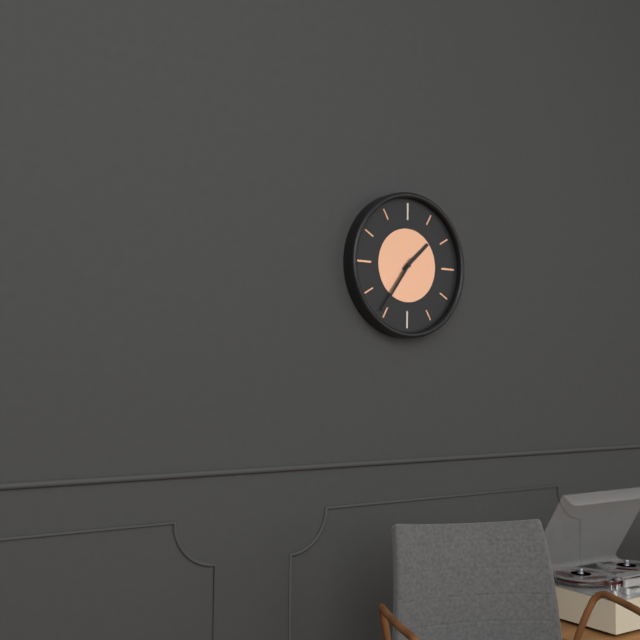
1,36
